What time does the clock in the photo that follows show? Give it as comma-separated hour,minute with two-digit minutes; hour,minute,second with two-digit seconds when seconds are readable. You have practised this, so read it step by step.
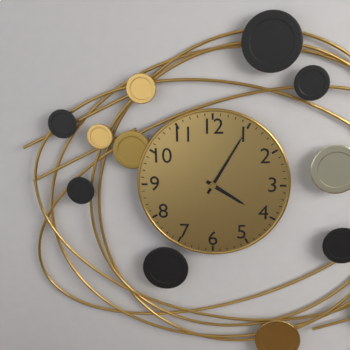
4,05
